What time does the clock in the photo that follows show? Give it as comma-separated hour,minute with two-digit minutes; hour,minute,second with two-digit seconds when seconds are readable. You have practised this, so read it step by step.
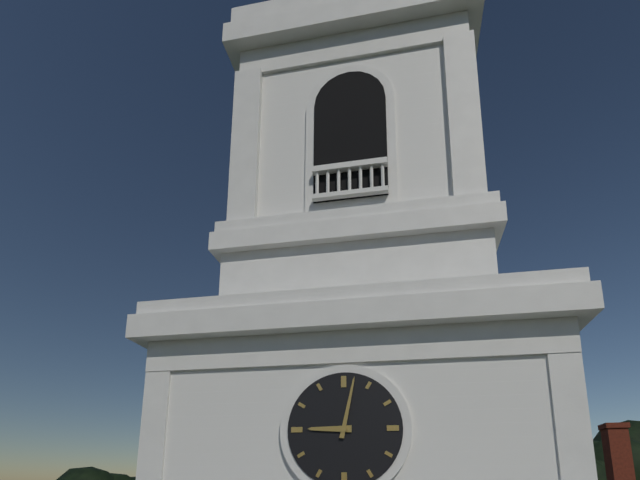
9,02
